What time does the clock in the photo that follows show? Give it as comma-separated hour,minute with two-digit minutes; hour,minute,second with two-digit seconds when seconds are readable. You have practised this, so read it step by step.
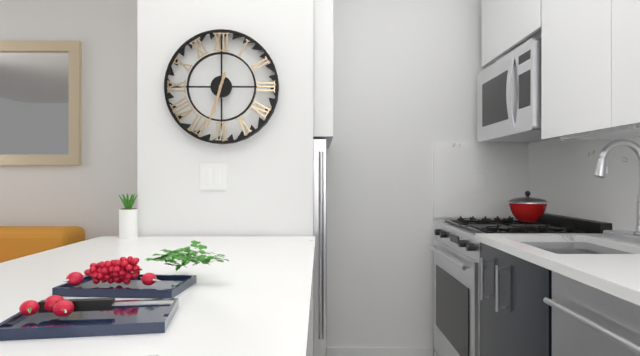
6,33
